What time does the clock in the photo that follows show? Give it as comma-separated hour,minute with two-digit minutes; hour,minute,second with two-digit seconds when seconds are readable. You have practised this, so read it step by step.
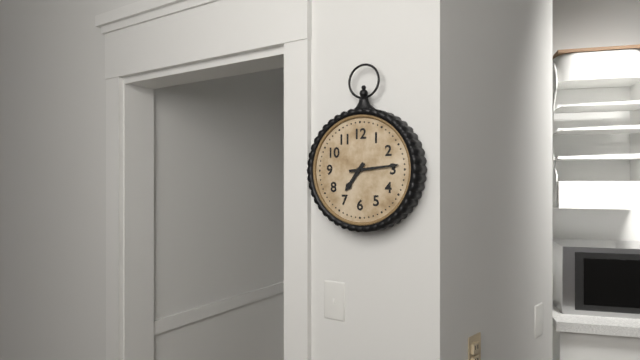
7,14
